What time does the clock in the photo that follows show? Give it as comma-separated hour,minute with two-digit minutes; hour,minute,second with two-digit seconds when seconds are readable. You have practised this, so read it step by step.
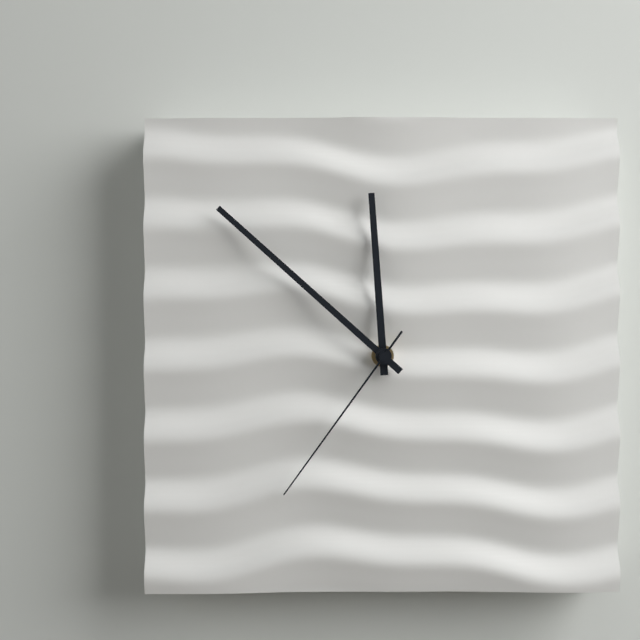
11,52,36
